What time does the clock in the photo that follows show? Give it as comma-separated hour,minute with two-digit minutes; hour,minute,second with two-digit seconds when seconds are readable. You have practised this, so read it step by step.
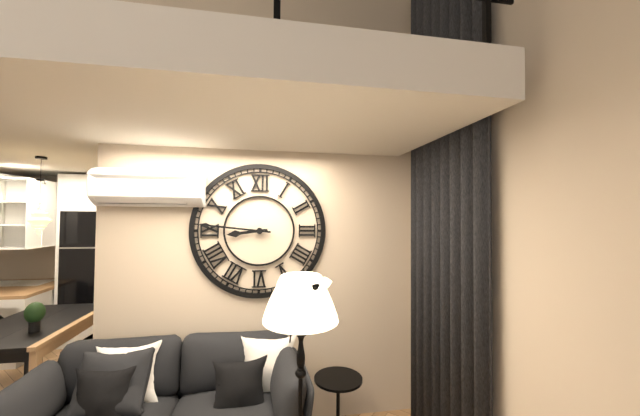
8,46
